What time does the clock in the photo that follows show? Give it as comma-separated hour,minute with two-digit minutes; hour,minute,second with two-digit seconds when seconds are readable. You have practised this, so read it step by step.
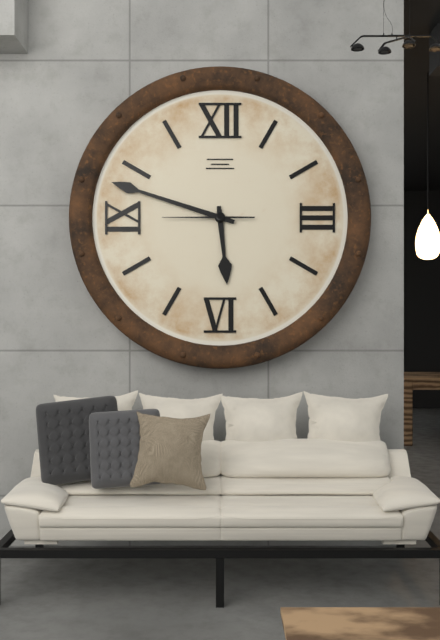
5,48,45
